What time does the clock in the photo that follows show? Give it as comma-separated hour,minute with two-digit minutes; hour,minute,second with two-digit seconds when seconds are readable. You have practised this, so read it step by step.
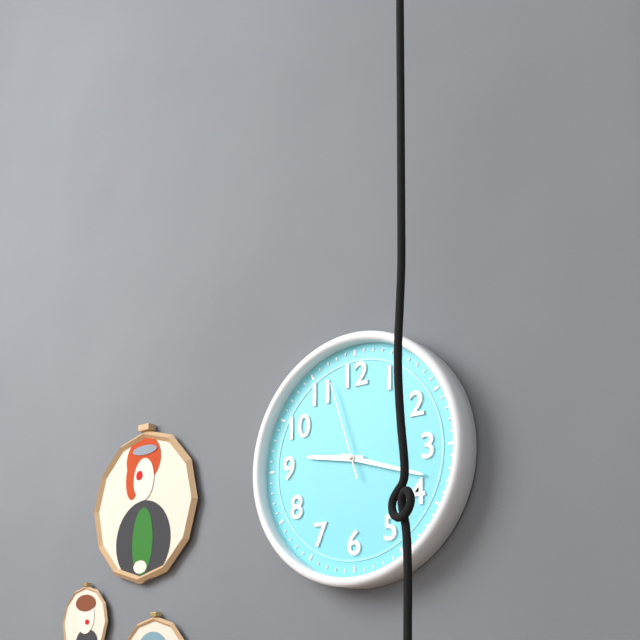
9,18,57
